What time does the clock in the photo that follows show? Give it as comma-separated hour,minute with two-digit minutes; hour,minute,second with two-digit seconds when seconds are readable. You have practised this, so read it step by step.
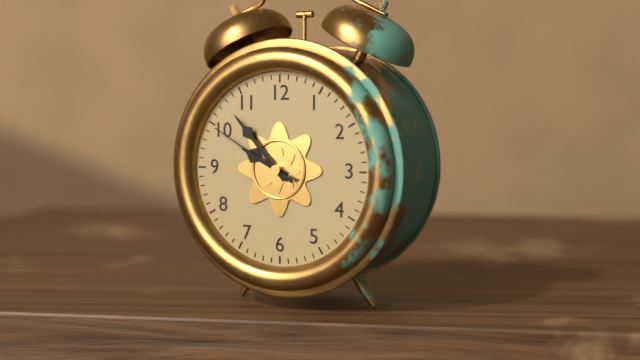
9,53,50
